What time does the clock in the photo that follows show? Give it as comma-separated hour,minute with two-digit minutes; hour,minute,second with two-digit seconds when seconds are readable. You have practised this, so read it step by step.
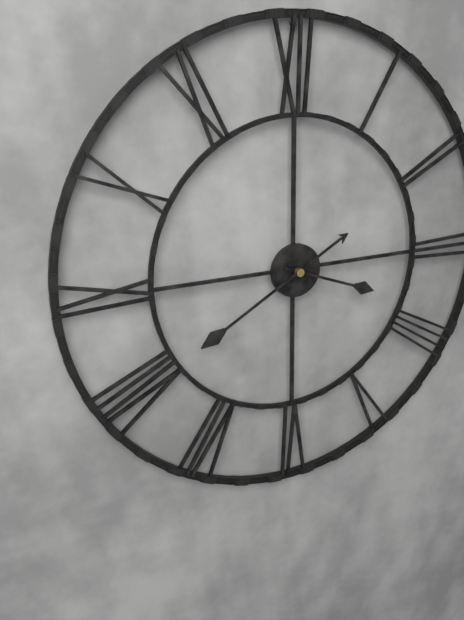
3,40
